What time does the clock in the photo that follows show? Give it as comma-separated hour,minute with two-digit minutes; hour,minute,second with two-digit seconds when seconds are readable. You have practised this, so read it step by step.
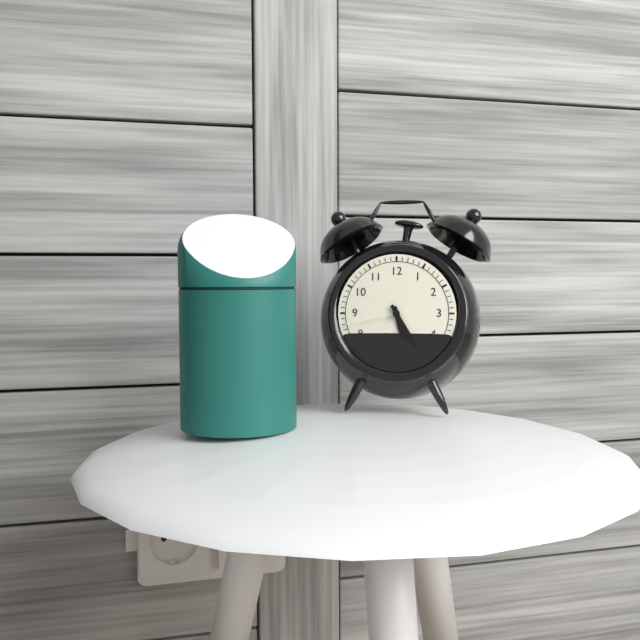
5,25,43
